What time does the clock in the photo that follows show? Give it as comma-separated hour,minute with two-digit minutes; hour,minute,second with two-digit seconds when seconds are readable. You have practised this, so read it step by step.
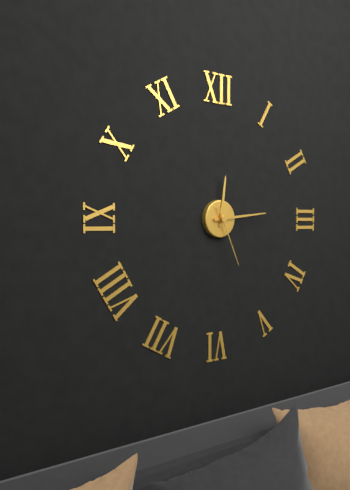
12,14,26
